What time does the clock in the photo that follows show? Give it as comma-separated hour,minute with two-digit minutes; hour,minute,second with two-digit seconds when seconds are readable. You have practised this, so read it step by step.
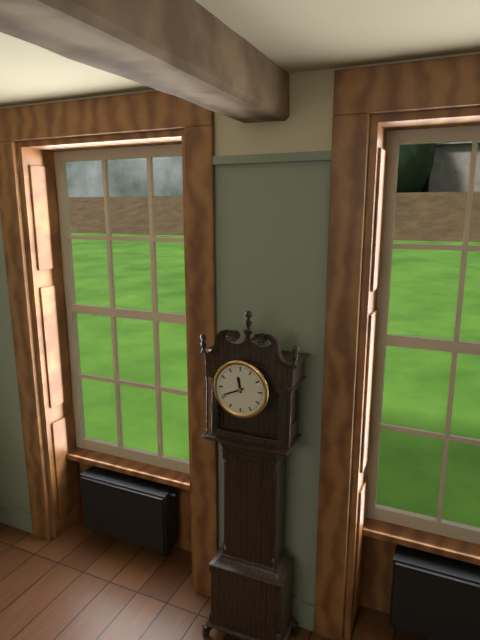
11,41
